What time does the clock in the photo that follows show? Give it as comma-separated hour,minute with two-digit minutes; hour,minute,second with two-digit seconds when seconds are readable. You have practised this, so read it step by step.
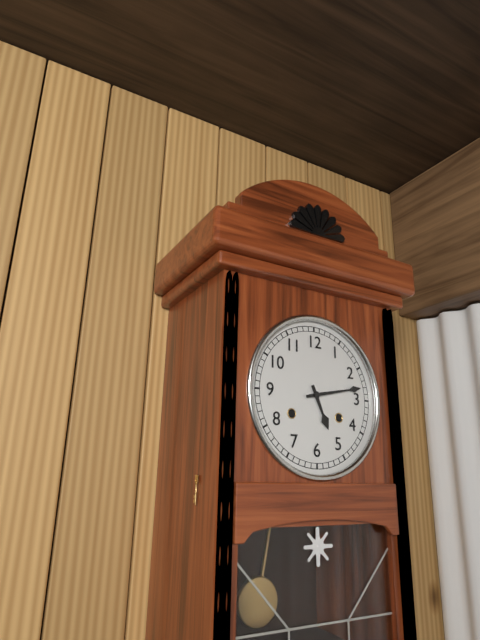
5,13
